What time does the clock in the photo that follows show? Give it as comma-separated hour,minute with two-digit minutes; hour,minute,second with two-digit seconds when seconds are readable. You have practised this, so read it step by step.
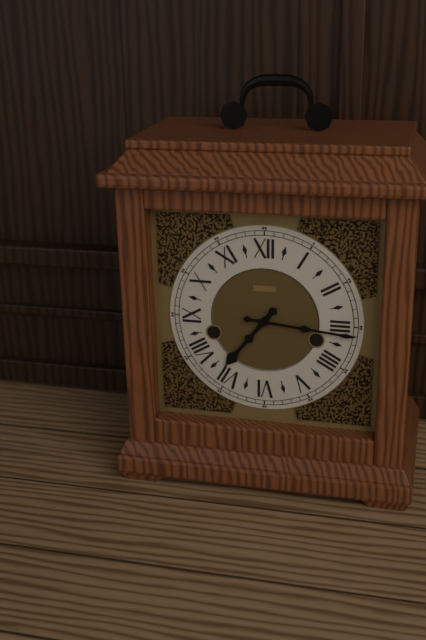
7,16
